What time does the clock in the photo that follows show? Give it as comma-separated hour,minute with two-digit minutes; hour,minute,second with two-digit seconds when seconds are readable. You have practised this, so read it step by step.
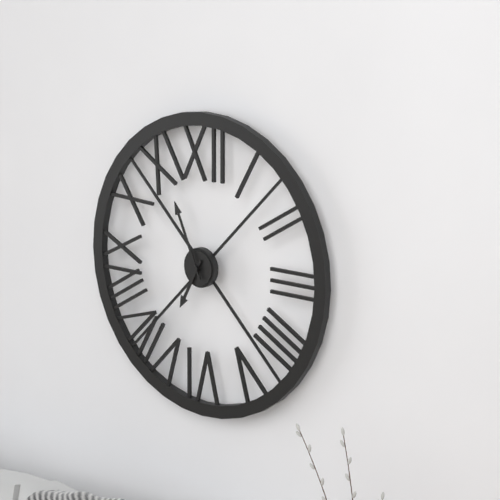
6,56
